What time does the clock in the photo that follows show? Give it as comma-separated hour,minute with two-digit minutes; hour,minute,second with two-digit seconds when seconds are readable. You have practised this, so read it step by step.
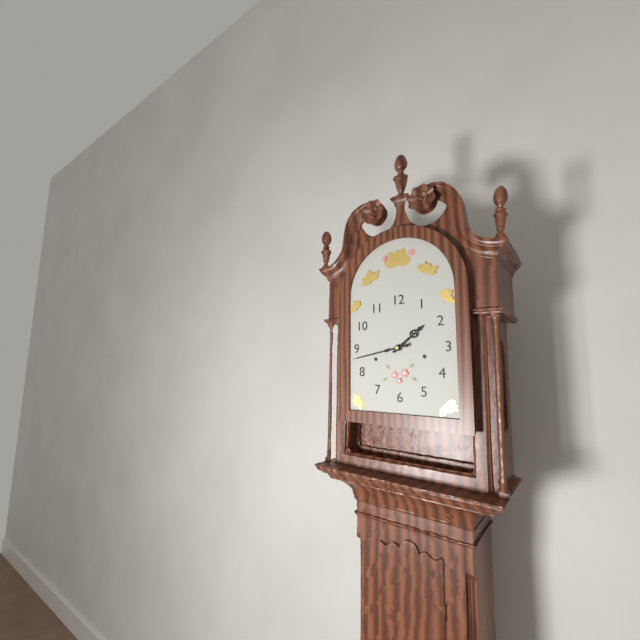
1,43
